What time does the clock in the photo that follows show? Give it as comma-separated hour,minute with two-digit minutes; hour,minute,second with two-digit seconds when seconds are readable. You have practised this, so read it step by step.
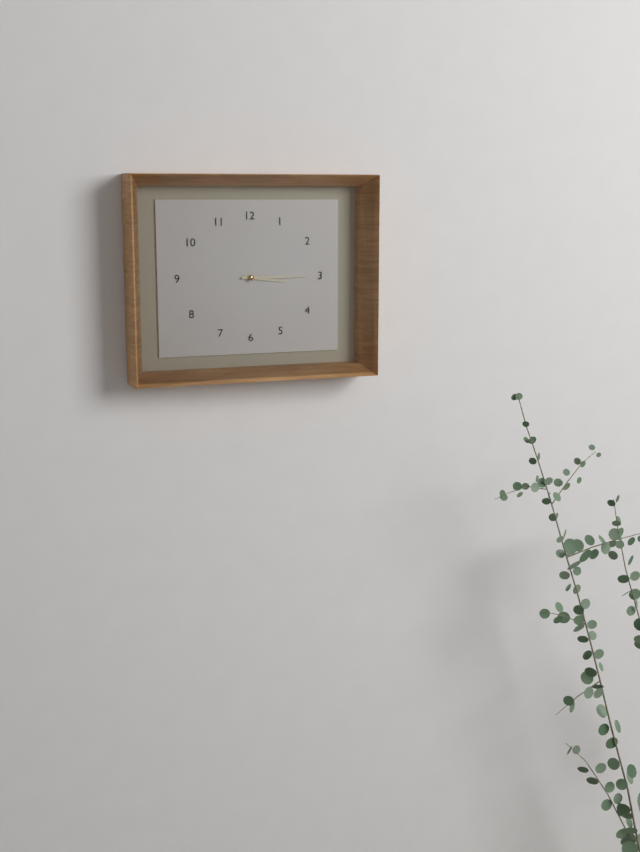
3,15
